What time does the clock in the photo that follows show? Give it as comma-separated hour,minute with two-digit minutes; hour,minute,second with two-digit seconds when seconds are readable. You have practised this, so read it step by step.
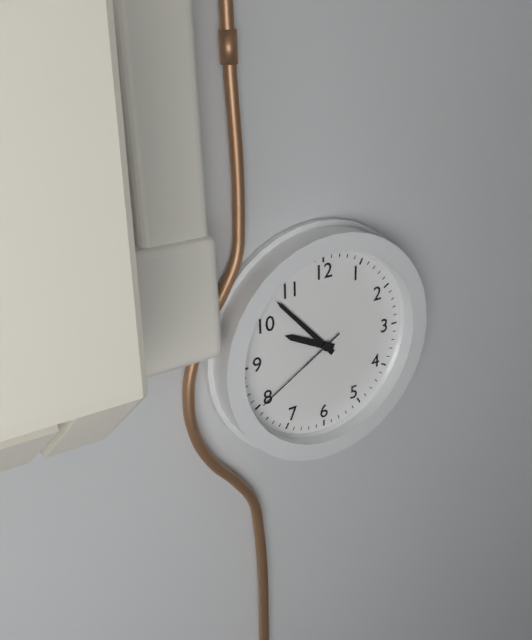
9,53,40
